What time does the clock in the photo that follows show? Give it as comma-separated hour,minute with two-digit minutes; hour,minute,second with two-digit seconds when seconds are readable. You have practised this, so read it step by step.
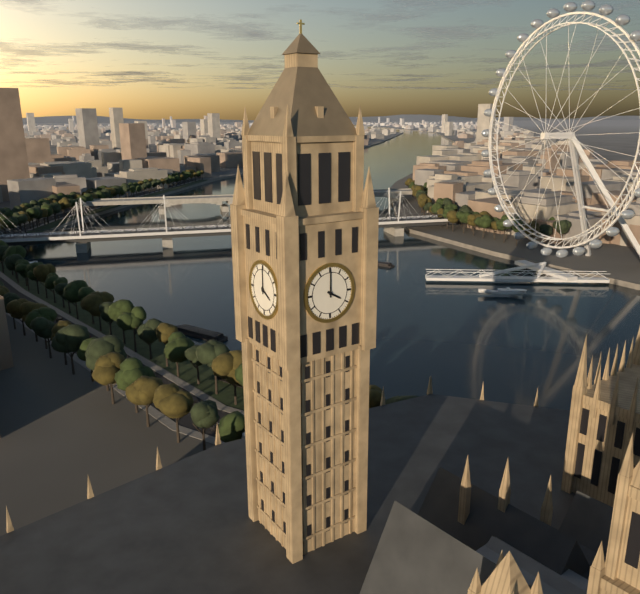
4,00
